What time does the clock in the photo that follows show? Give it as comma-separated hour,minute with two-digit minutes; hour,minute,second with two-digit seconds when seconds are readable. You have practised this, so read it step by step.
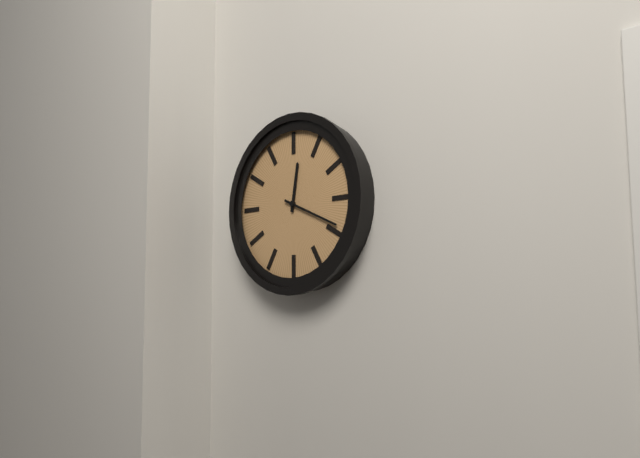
12,19
